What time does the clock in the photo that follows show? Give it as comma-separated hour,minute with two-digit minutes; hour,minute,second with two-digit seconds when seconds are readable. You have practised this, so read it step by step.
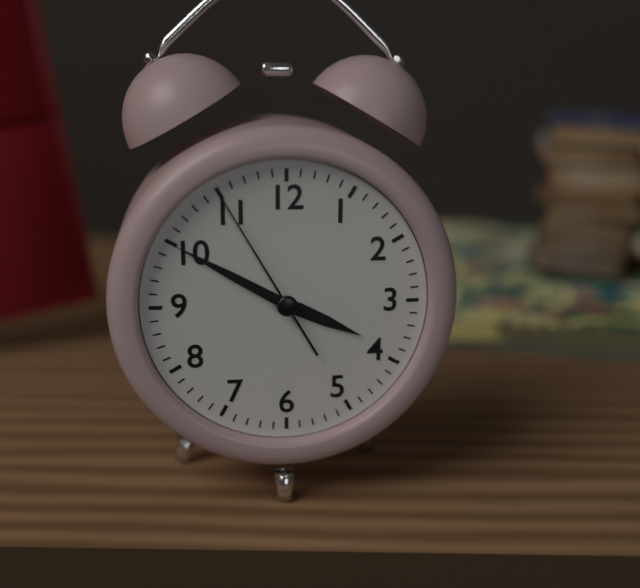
3,50,55
